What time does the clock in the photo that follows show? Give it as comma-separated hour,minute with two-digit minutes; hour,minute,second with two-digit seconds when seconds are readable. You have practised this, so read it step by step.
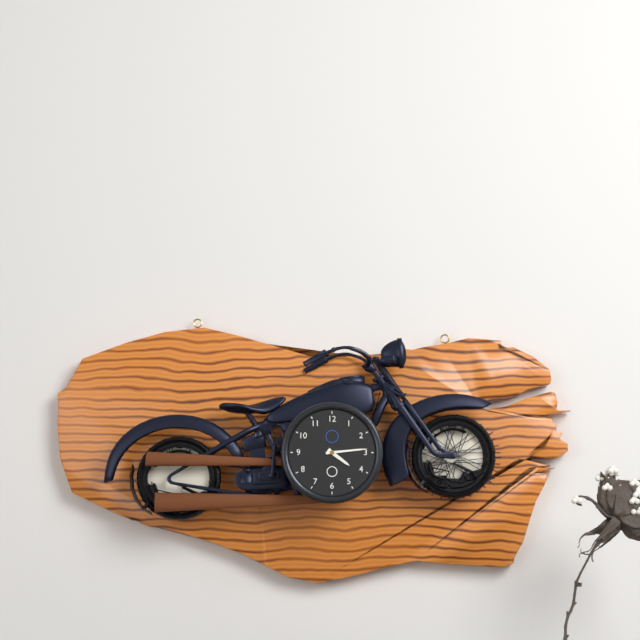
4,14
